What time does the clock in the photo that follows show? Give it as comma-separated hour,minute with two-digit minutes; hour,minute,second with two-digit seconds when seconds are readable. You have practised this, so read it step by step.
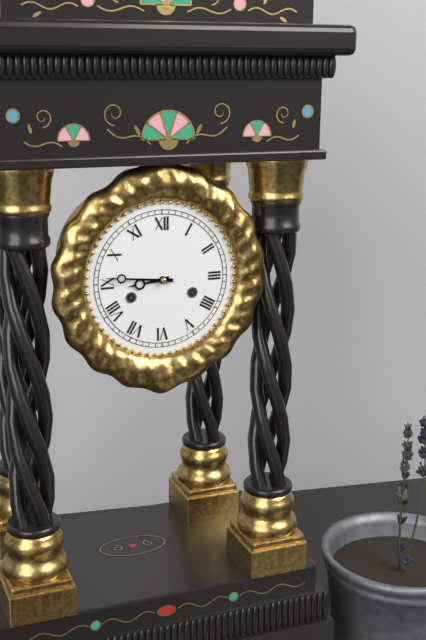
8,46
